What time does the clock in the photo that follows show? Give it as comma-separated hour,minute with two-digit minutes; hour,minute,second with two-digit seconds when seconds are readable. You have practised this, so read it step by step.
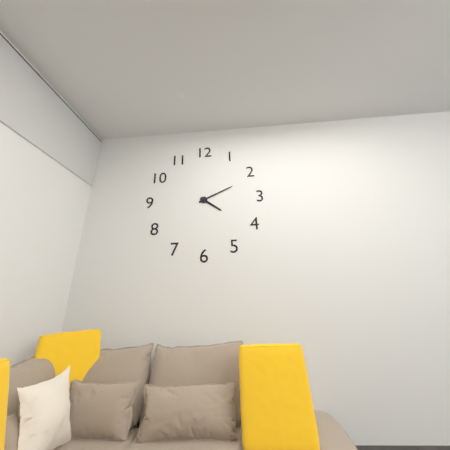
4,11
